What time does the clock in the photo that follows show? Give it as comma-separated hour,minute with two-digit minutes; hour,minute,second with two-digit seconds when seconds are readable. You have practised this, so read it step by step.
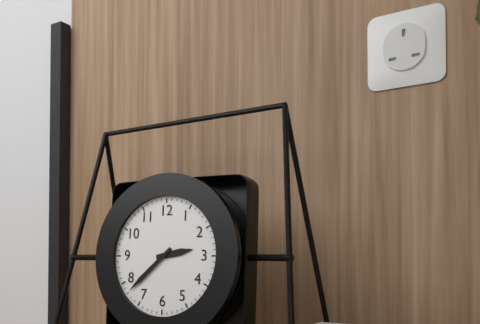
2,38
